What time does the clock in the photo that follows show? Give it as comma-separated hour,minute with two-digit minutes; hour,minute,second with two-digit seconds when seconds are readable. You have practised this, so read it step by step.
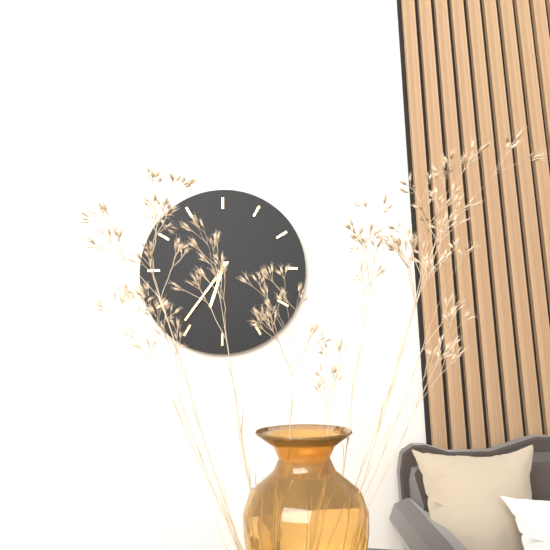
6,36
